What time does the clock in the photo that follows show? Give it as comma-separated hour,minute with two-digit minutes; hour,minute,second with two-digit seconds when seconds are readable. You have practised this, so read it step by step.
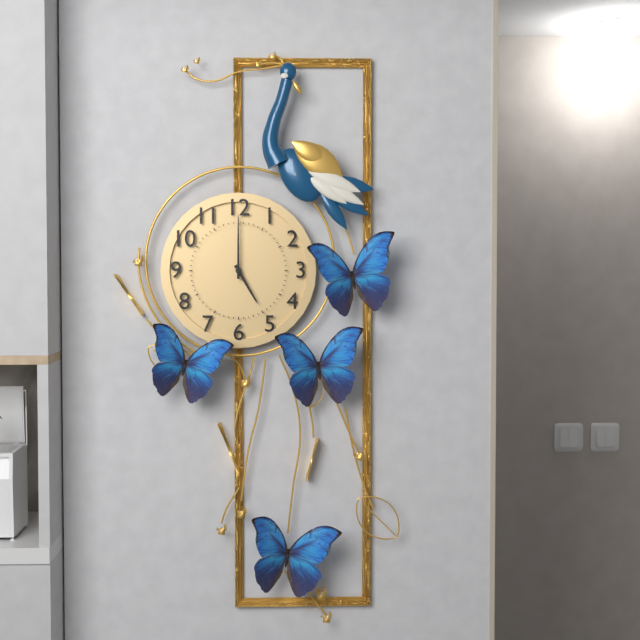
5,00
